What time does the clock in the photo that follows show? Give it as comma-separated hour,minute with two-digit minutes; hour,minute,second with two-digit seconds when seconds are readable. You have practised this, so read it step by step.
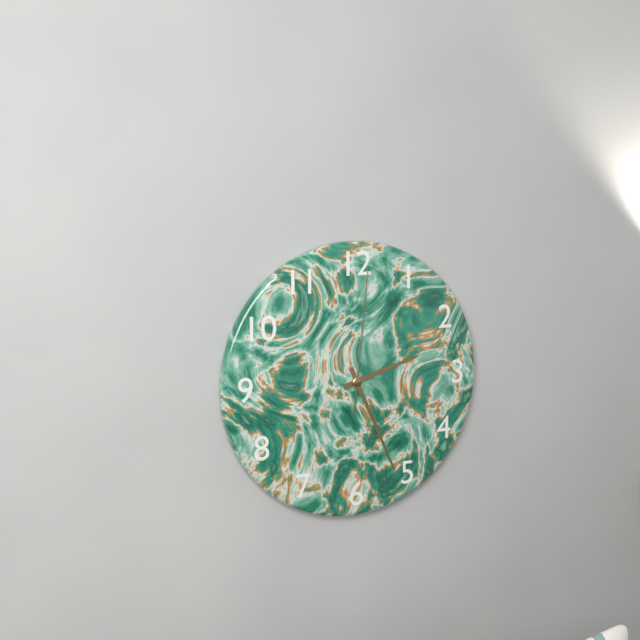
2,26,01
